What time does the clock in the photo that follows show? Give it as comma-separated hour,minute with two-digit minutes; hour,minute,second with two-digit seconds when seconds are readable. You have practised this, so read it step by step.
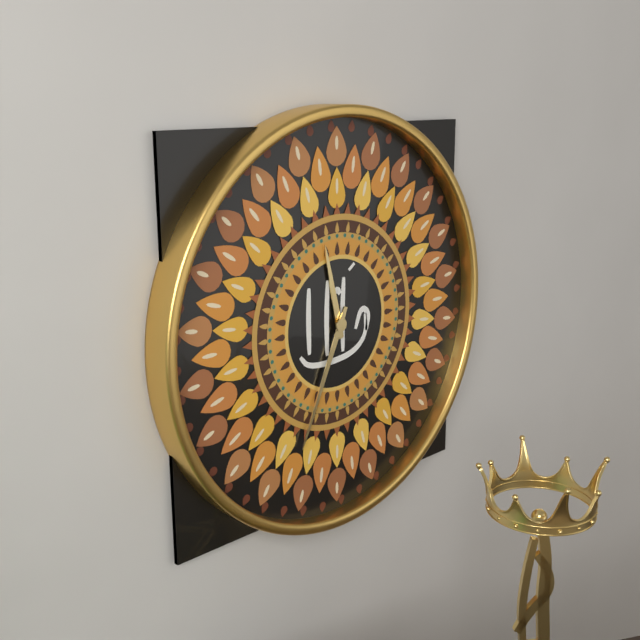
11,34
